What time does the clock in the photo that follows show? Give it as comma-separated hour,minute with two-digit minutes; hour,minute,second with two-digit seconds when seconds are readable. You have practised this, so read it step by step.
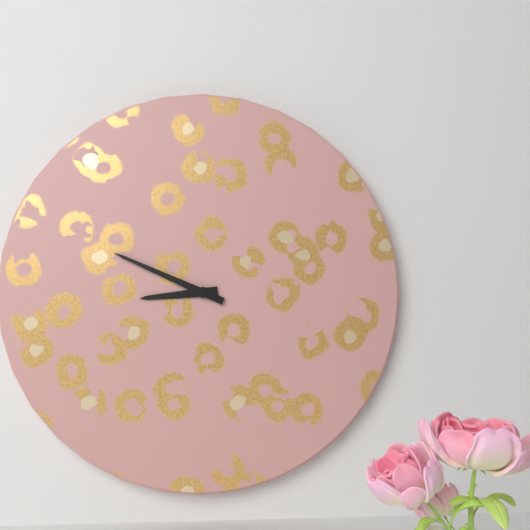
8,49
